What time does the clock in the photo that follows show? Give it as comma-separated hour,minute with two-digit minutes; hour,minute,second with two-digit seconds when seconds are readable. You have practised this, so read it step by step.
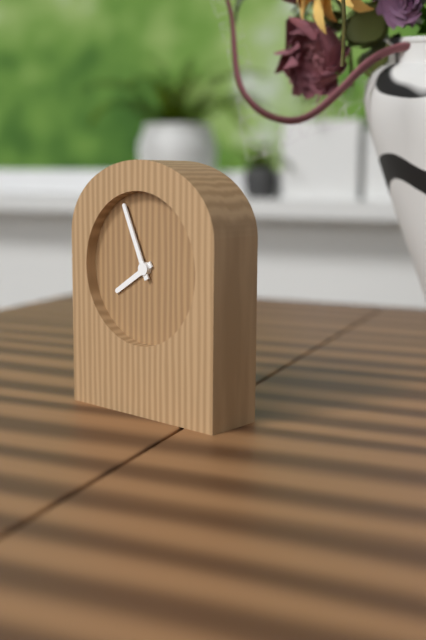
7,56
